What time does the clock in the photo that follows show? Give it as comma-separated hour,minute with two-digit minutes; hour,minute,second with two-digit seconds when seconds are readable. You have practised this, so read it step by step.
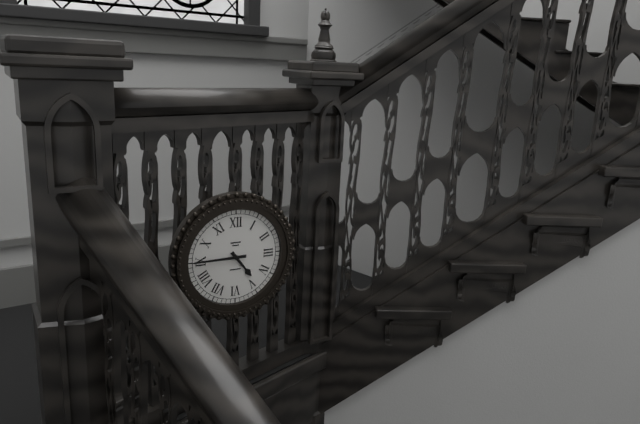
4,45
